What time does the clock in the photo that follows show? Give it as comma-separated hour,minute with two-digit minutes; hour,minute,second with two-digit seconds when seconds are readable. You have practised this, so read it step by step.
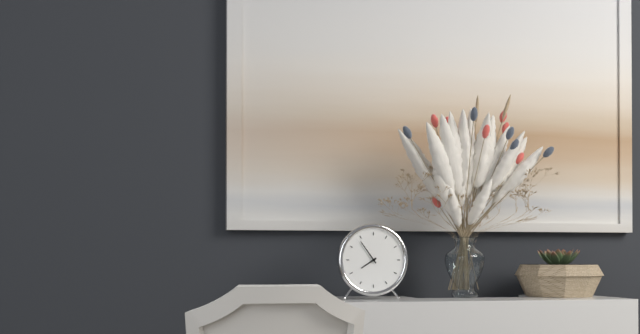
7,54
